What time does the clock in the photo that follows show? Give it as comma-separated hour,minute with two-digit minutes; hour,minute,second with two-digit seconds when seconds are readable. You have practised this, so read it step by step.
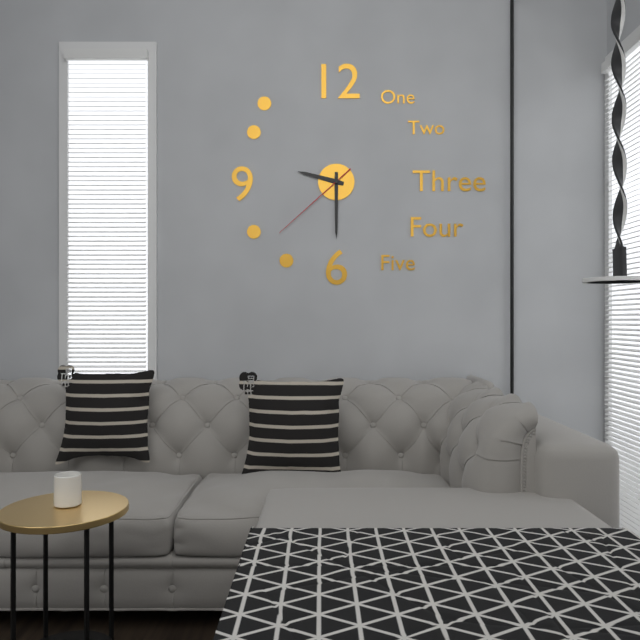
9,30,38
